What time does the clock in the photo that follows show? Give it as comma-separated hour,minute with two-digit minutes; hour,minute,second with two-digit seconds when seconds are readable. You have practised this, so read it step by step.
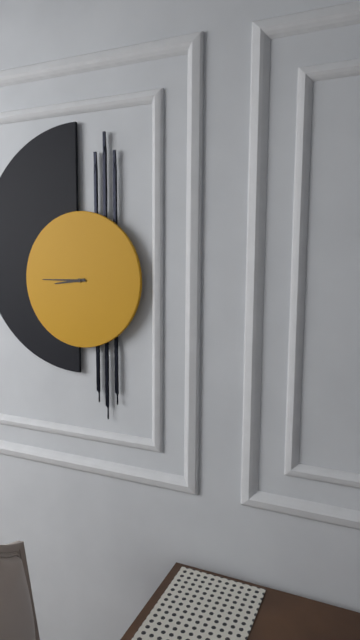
8,45
